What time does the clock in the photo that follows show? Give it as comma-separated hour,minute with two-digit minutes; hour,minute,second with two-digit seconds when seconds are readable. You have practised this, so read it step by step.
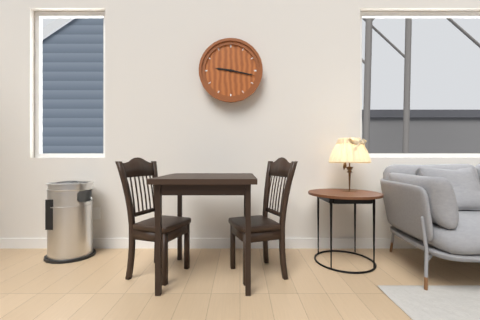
9,17
